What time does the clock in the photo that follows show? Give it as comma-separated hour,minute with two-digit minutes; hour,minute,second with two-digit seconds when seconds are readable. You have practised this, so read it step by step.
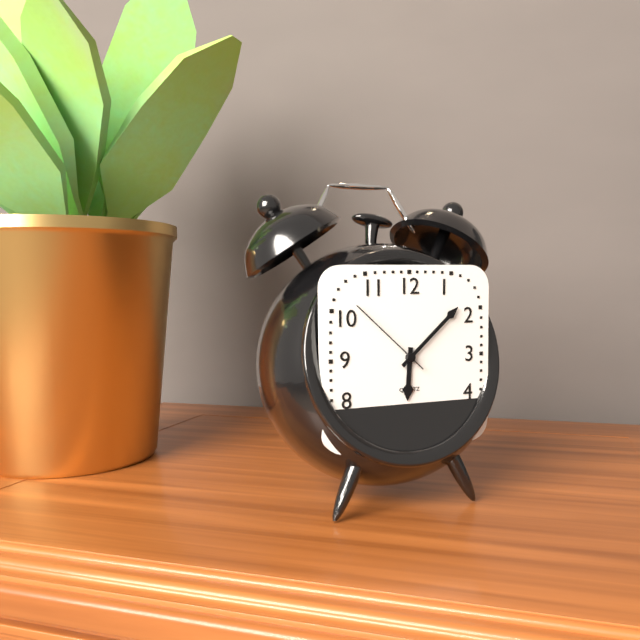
6,08,52
